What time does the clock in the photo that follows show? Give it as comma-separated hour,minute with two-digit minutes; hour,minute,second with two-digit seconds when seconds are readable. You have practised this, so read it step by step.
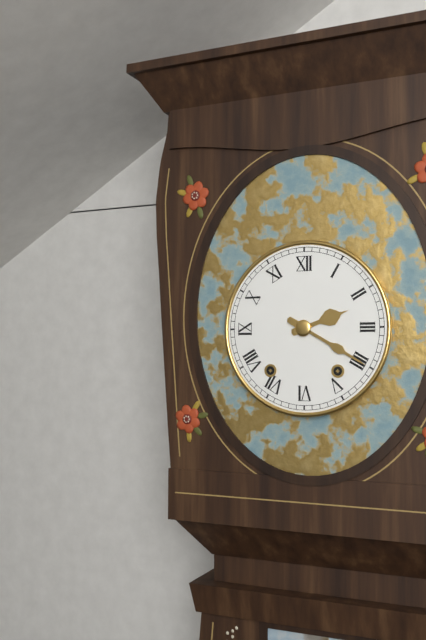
2,20
